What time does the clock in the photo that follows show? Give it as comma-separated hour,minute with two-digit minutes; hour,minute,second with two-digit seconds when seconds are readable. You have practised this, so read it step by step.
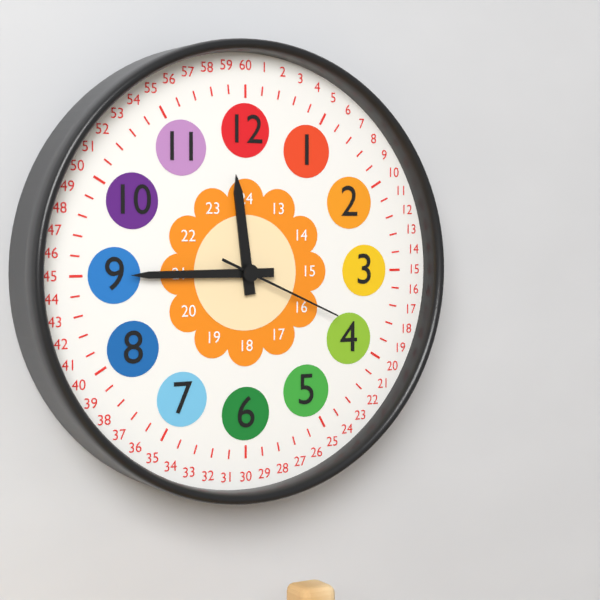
11,45,19
